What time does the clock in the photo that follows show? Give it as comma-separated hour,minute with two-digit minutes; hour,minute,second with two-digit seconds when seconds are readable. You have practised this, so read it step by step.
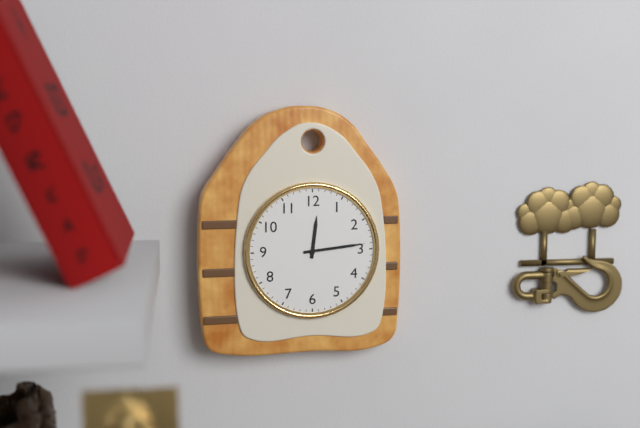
12,14
